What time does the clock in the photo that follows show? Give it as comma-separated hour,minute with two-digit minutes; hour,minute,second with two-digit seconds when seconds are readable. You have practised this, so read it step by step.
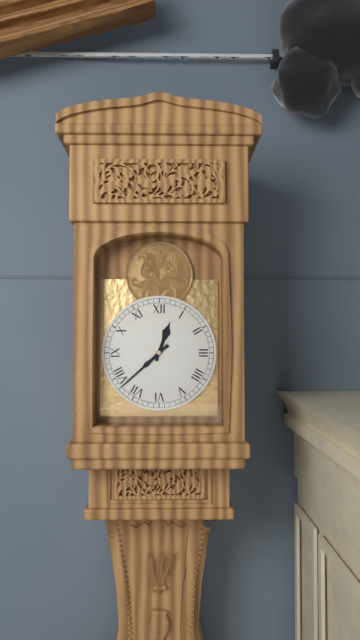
12,38
